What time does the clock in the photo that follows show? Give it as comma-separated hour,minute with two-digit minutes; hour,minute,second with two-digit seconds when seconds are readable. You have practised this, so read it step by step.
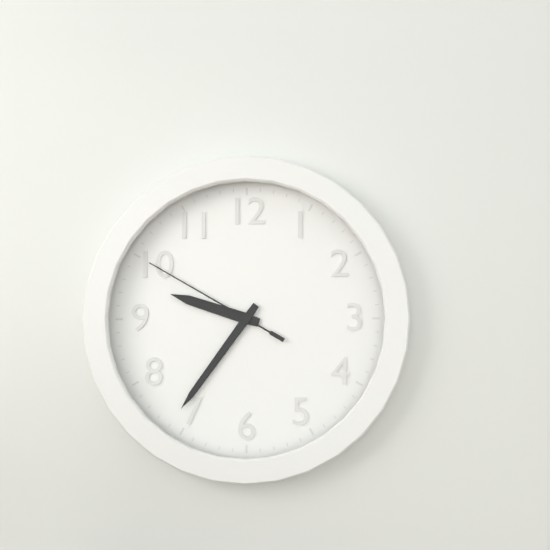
9,36,50
